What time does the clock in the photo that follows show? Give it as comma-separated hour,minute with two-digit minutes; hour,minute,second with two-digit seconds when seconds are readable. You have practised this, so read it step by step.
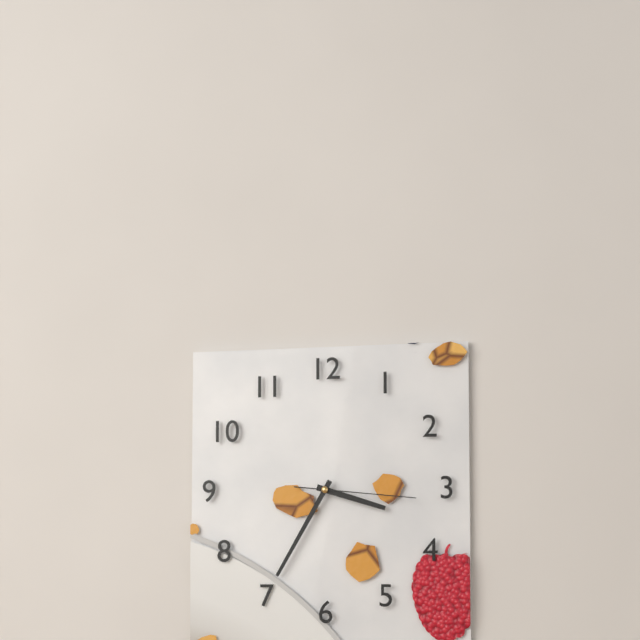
3,35,16
